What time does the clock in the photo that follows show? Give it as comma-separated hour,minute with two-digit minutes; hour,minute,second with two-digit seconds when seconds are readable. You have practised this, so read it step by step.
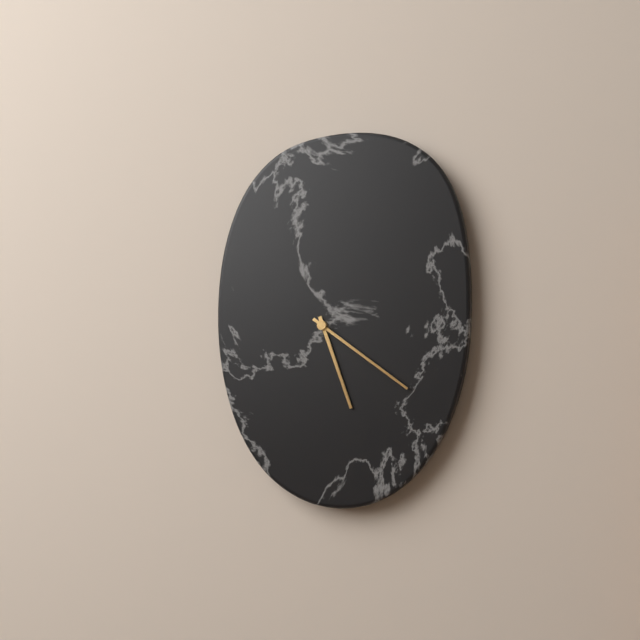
5,21
